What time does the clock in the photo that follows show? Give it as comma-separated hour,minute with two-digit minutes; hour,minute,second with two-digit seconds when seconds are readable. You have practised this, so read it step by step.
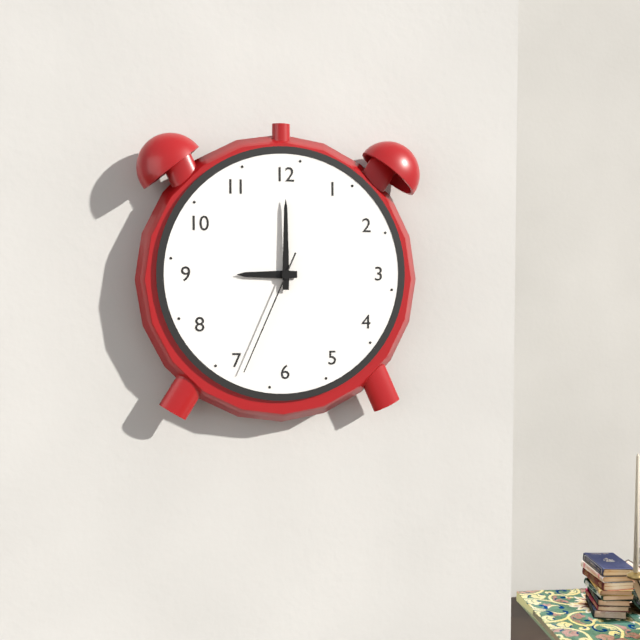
9,00,34
